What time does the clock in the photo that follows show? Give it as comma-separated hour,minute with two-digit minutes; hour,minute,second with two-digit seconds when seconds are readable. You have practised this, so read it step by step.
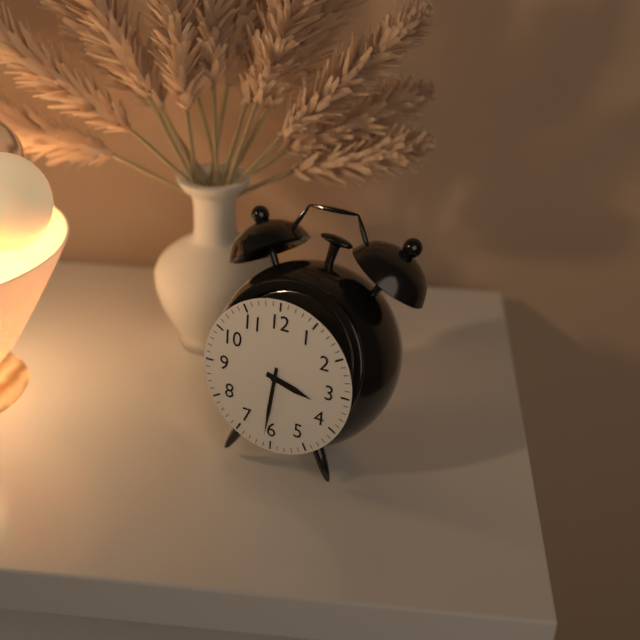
3,31
